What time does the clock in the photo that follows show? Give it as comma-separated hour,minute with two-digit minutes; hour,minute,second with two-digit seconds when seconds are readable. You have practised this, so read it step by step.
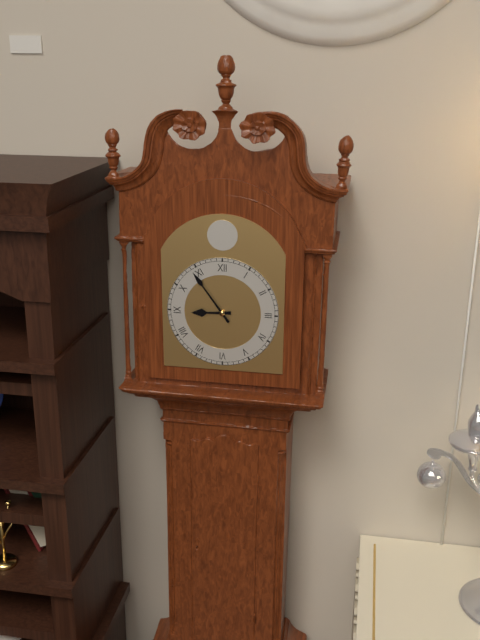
8,54
